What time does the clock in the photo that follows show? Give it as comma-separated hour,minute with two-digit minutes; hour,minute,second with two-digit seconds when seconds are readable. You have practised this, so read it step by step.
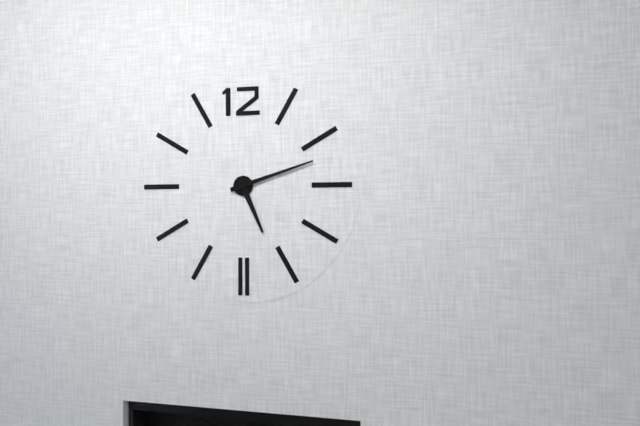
5,12
